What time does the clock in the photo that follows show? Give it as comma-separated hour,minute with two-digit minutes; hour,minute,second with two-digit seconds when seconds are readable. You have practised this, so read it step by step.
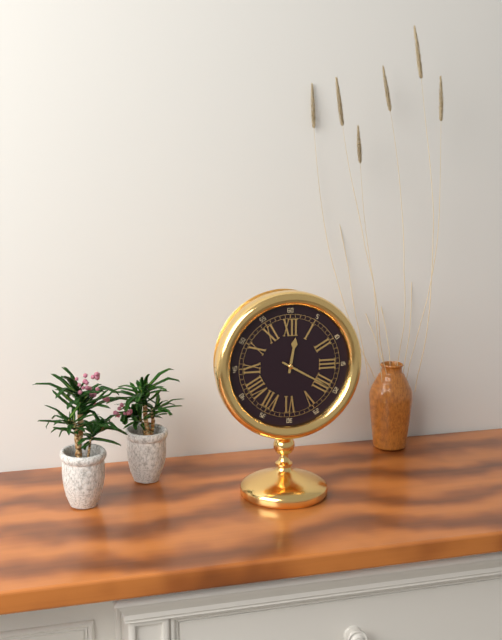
12,20
